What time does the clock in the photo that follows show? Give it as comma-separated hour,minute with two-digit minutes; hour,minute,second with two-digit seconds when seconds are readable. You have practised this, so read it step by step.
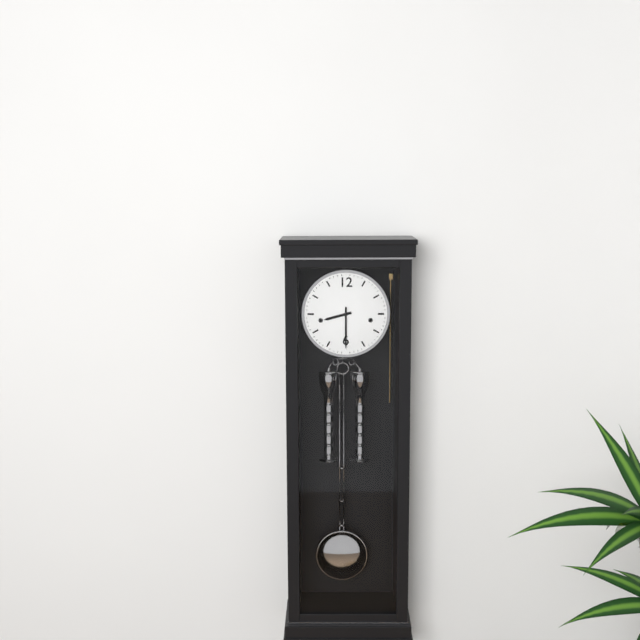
8,30
